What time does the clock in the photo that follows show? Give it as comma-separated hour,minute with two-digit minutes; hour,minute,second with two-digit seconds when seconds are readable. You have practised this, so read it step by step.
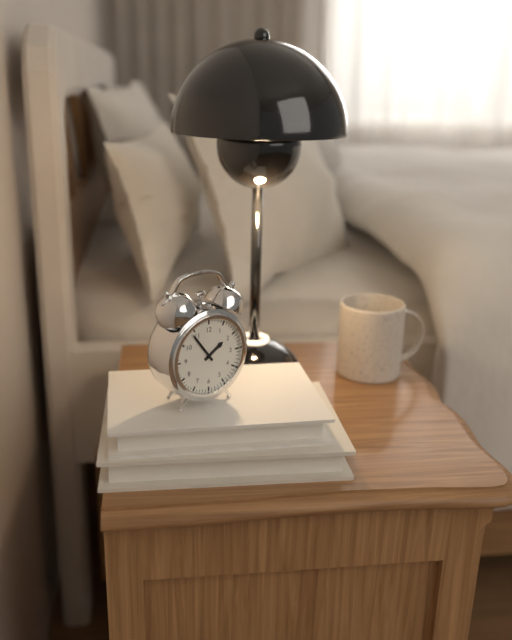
1,54
